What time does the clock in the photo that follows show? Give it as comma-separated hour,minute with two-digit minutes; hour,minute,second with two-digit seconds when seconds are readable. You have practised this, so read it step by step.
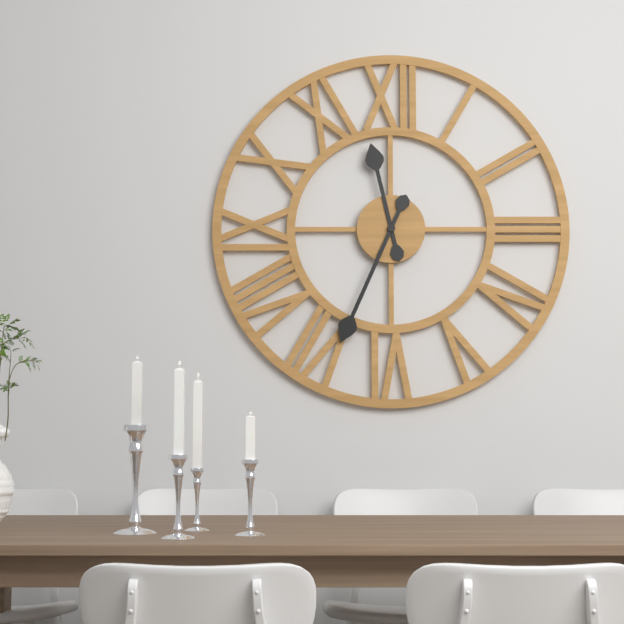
11,34
